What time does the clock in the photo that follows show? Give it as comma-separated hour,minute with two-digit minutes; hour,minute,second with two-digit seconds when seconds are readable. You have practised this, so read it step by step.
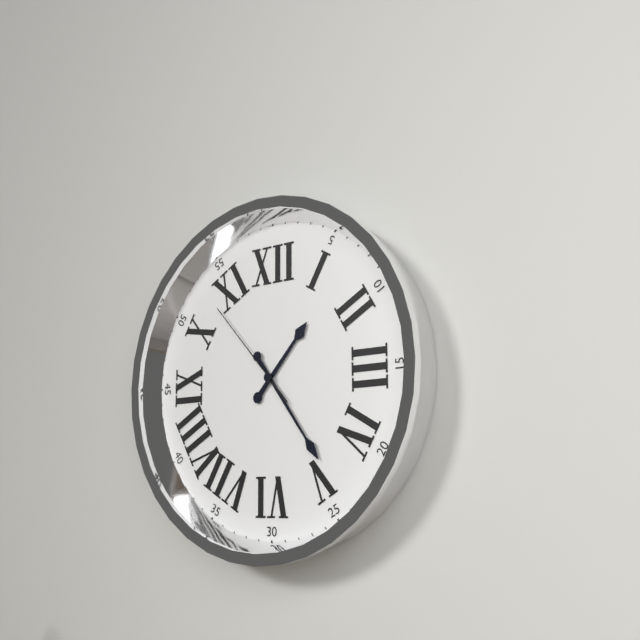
1,24,53
